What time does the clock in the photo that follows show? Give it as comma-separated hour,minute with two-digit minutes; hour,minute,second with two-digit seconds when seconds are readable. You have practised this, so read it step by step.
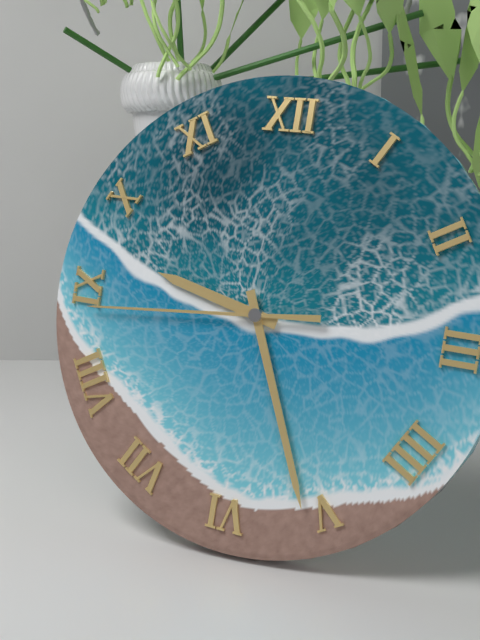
9,26,44
